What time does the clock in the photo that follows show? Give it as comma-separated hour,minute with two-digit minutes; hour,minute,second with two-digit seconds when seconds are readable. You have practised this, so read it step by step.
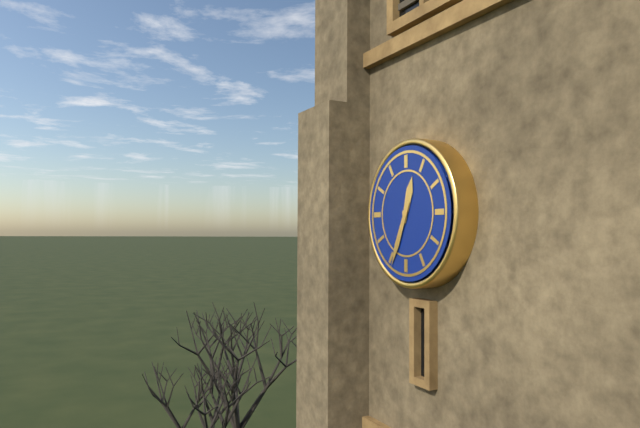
12,34
